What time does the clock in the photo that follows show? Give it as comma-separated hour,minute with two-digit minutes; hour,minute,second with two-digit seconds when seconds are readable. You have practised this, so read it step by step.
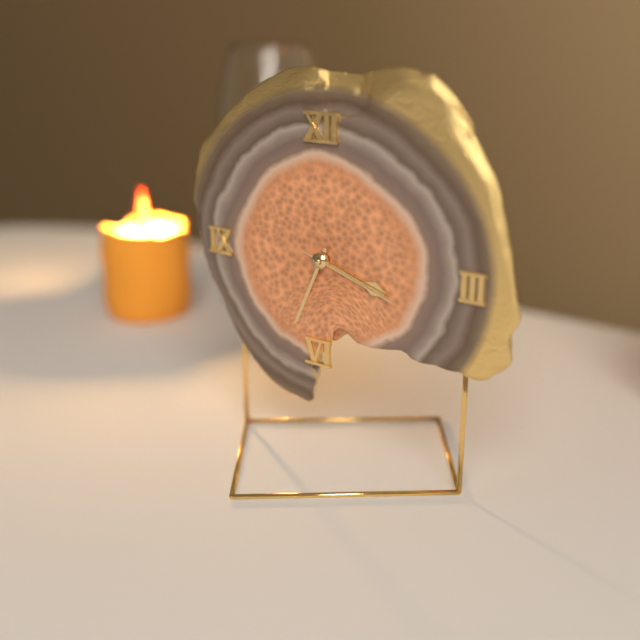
3,34,18
